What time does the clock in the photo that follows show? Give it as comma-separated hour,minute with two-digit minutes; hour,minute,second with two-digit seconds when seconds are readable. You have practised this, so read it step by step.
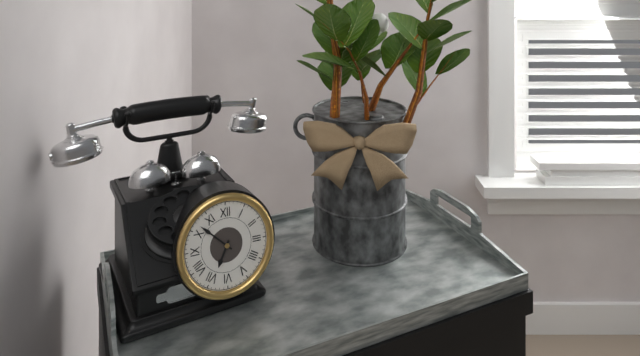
6,52
